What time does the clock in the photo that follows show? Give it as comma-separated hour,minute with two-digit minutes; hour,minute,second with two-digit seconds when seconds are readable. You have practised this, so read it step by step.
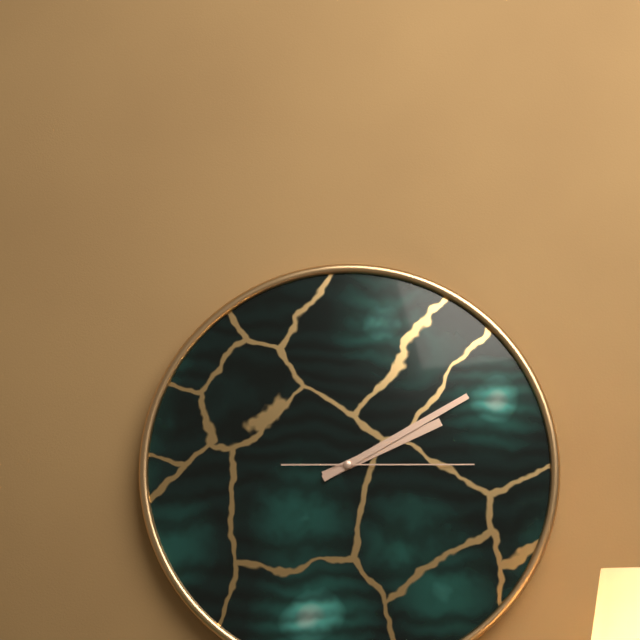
2,10,15
